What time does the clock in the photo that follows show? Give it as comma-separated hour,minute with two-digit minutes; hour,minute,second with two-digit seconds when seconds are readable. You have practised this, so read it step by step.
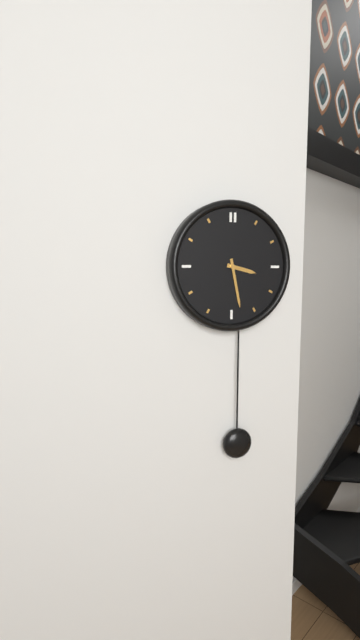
3,28
